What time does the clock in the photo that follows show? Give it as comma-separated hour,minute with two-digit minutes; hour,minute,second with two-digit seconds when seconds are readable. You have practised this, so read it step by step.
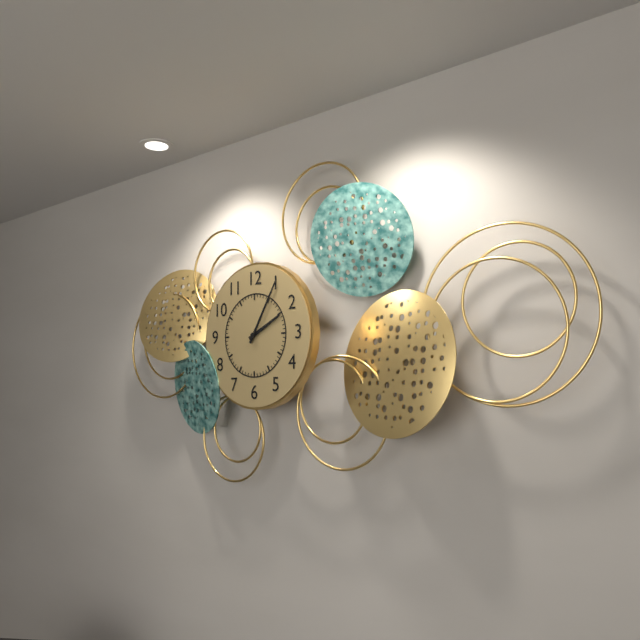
2,05
